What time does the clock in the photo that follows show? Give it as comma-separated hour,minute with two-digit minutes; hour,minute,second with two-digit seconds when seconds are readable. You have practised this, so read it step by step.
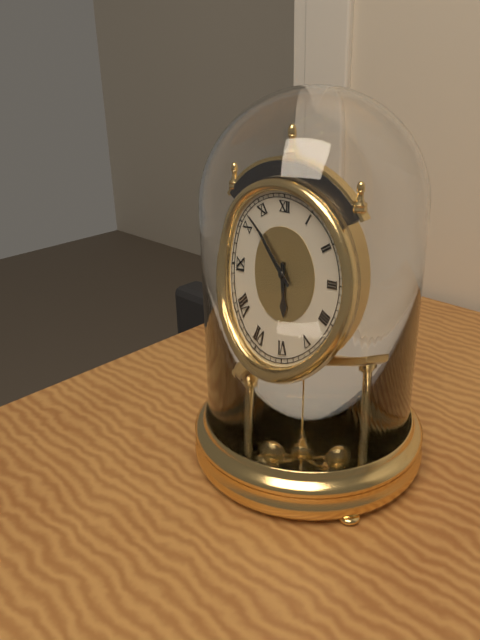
5,52
